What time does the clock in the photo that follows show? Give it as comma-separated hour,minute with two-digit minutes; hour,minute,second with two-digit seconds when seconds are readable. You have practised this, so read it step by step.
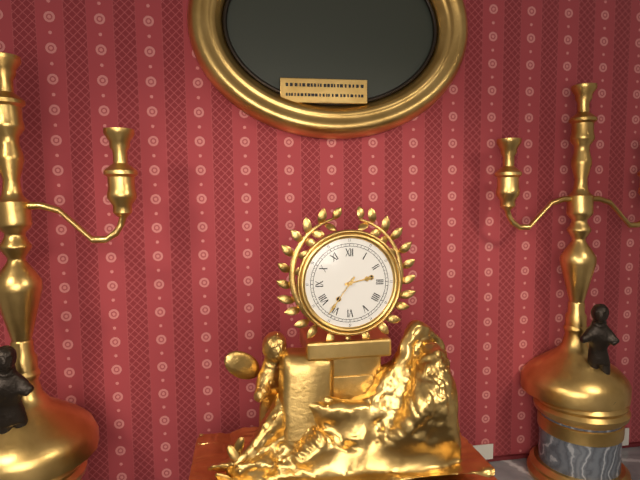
2,36
